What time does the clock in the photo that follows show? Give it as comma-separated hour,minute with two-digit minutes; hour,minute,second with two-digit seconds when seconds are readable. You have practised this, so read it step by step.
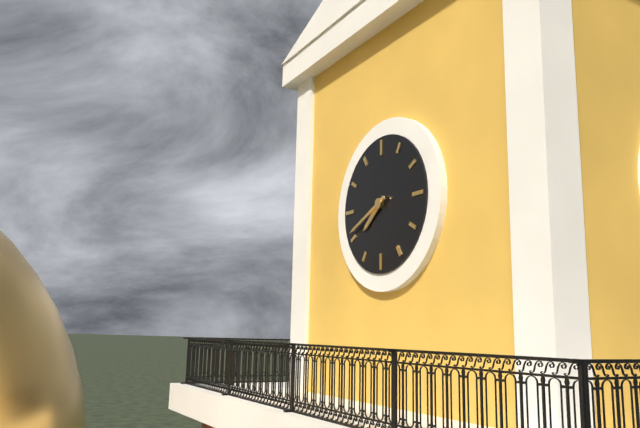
7,41
